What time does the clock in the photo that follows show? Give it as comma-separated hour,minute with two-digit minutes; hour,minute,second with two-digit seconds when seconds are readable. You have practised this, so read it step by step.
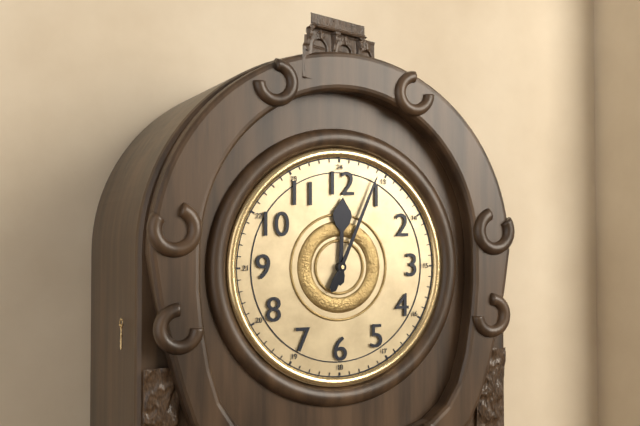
12,04
